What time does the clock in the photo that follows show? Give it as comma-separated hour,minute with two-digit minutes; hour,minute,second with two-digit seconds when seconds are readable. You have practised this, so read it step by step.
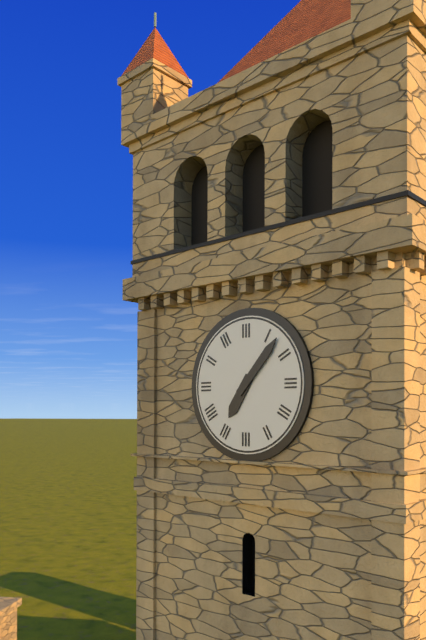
7,07
